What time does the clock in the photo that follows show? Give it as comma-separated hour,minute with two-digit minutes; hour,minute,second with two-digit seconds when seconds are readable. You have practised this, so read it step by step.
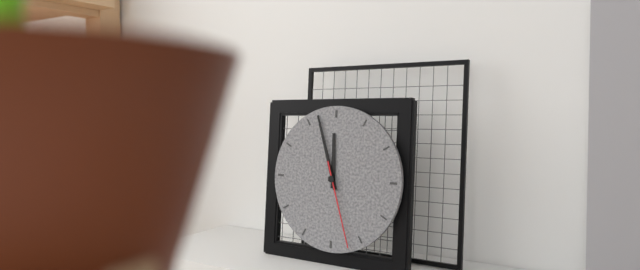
11,57,27
